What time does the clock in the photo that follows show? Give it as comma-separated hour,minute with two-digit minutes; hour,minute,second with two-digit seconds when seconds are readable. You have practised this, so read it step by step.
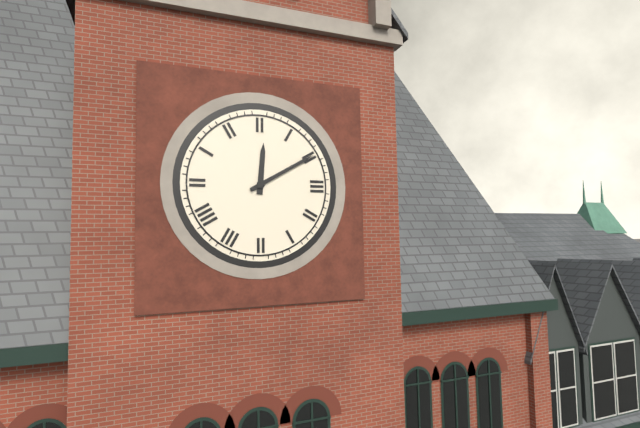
12,10
